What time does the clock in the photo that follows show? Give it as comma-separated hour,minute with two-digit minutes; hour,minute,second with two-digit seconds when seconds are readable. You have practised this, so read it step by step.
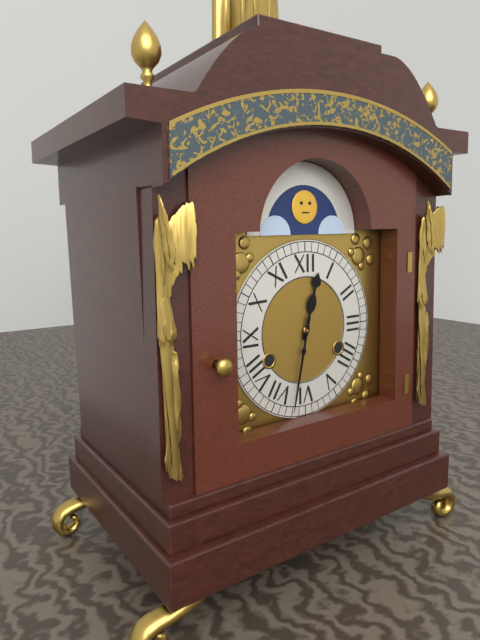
12,32
